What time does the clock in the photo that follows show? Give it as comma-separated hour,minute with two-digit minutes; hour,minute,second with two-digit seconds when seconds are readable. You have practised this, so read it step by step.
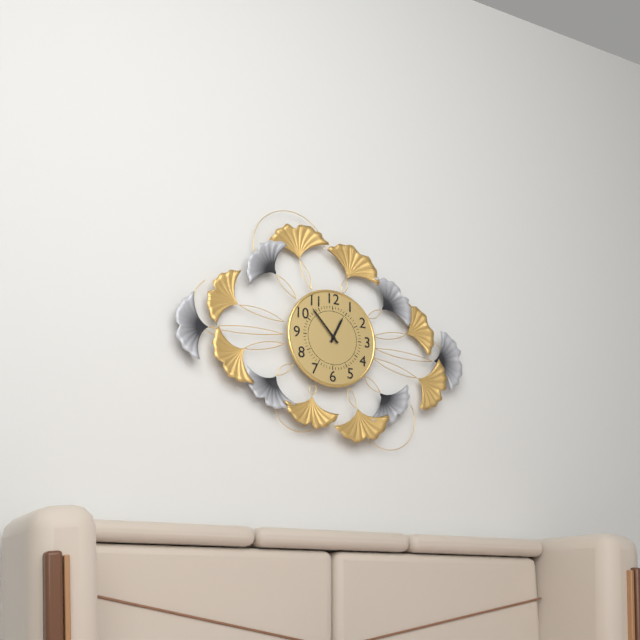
12,53
